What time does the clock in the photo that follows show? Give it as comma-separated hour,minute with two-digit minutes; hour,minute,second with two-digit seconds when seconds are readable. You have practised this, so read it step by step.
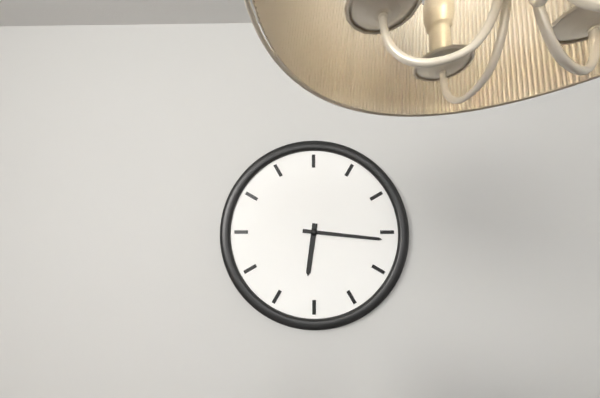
6,16
